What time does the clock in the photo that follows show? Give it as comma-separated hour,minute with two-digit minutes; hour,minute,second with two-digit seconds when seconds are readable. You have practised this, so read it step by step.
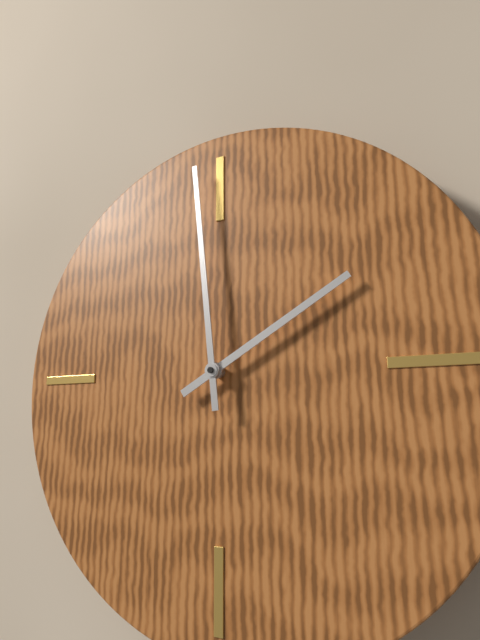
1,59
